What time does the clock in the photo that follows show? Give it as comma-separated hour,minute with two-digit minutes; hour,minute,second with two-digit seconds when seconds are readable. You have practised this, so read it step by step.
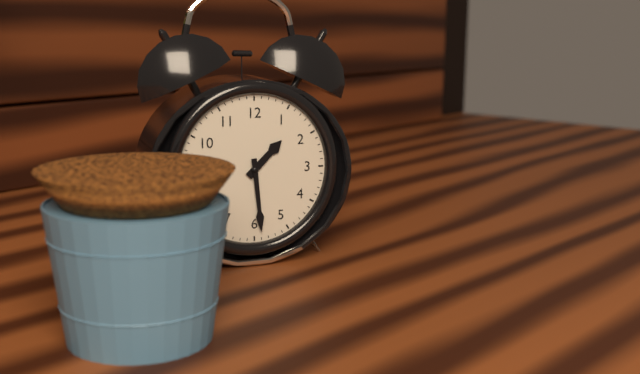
1,29
